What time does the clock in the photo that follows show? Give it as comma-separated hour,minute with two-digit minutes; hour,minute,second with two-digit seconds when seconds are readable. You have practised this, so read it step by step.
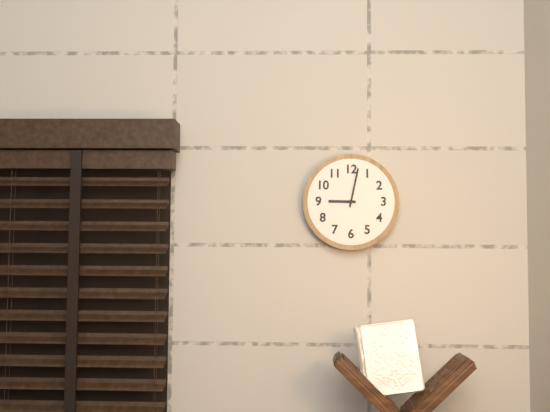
9,02
